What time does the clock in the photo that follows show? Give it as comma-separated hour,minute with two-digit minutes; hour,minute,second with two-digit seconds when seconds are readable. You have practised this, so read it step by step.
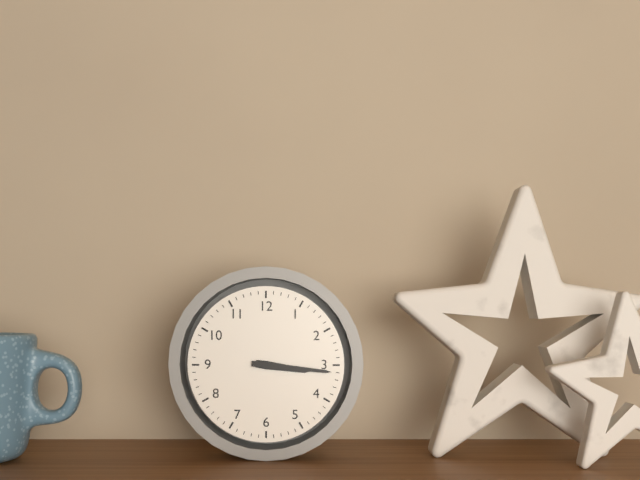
3,16
